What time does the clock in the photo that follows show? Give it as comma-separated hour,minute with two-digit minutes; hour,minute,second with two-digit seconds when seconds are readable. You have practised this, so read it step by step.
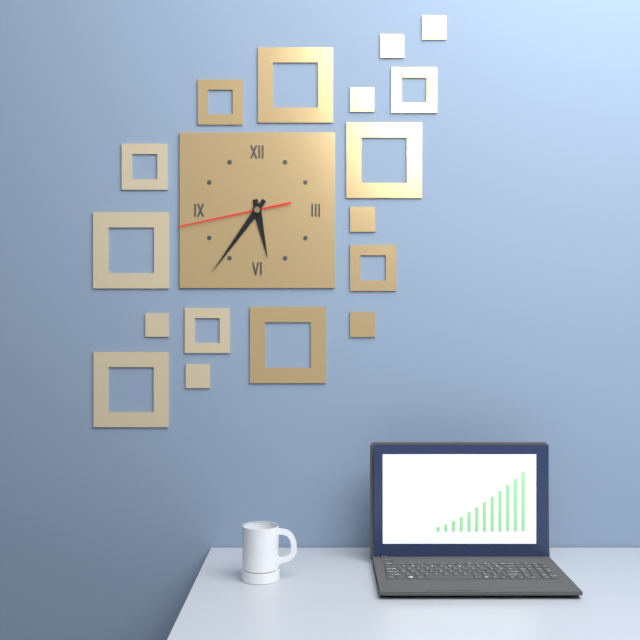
5,36,43
